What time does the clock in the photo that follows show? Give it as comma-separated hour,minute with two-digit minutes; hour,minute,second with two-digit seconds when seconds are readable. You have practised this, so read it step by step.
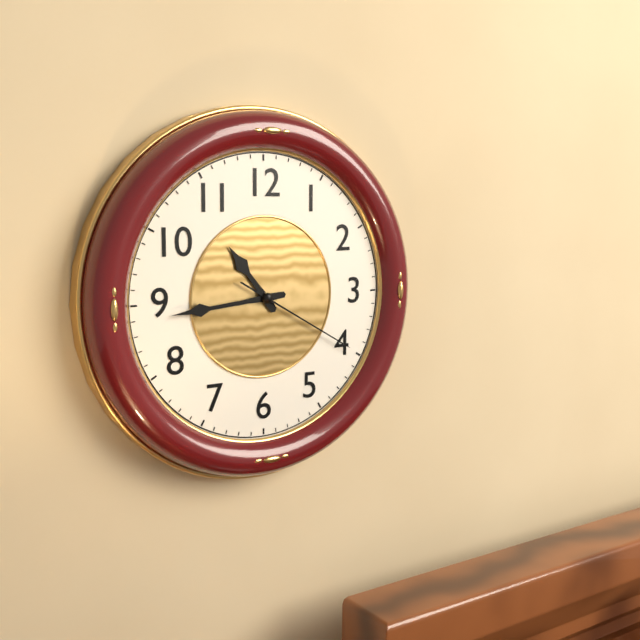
10,44,20
